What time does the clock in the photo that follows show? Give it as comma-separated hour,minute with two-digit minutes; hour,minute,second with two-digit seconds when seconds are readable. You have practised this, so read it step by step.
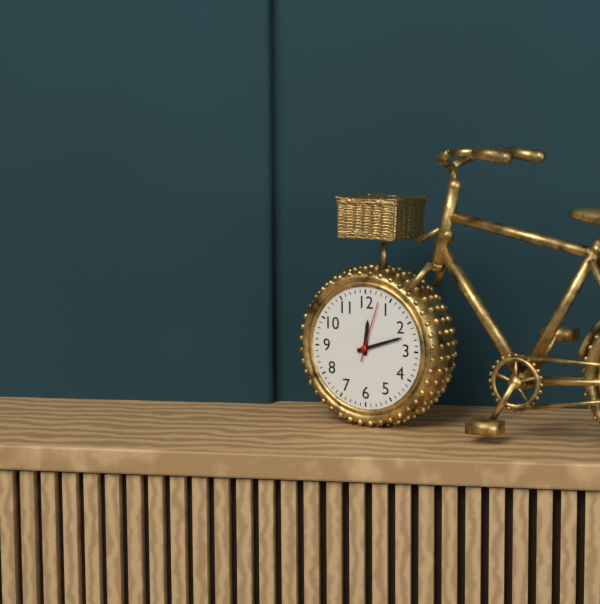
12,12,03
